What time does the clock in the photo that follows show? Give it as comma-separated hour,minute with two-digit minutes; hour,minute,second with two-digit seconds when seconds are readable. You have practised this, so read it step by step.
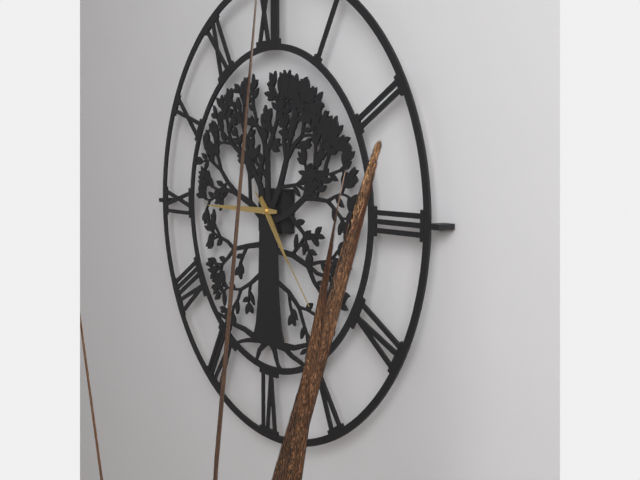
4,45,23
